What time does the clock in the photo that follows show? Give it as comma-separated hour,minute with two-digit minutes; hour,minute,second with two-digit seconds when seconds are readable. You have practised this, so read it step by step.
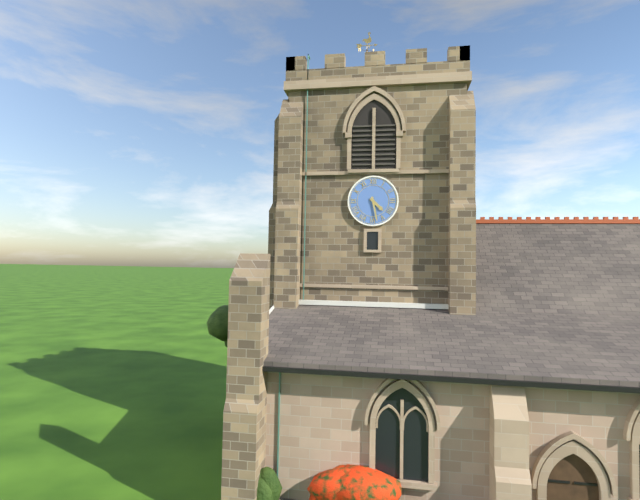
4,28
